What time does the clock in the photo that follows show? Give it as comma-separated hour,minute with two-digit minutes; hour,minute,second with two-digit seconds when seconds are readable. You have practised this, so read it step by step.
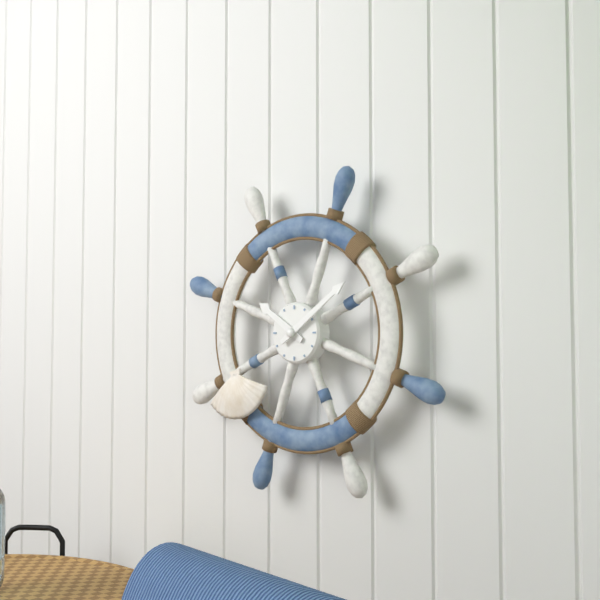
10,09
